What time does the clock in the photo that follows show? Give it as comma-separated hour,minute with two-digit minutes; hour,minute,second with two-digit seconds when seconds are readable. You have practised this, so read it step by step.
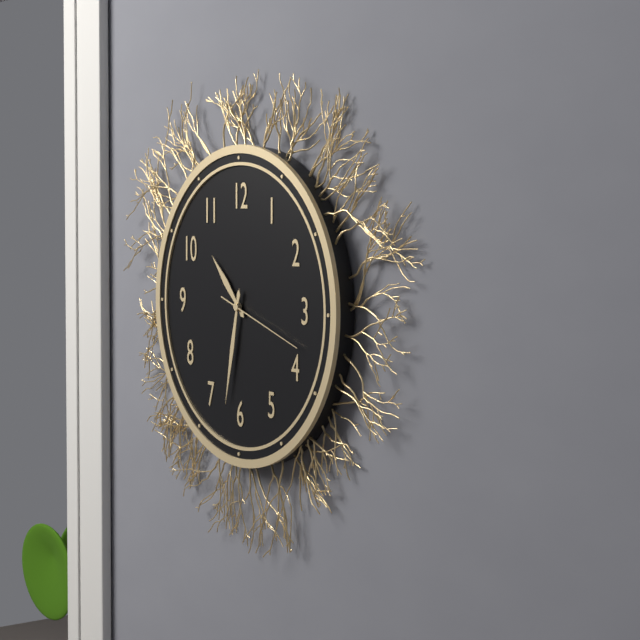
10,32,18
